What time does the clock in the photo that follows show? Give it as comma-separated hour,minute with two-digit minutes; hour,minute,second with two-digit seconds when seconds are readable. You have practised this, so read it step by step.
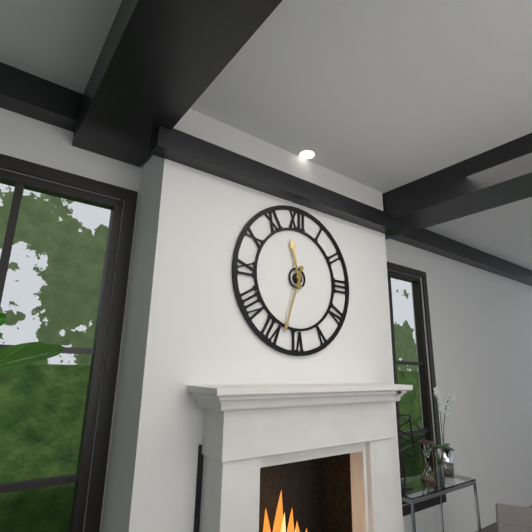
11,33
